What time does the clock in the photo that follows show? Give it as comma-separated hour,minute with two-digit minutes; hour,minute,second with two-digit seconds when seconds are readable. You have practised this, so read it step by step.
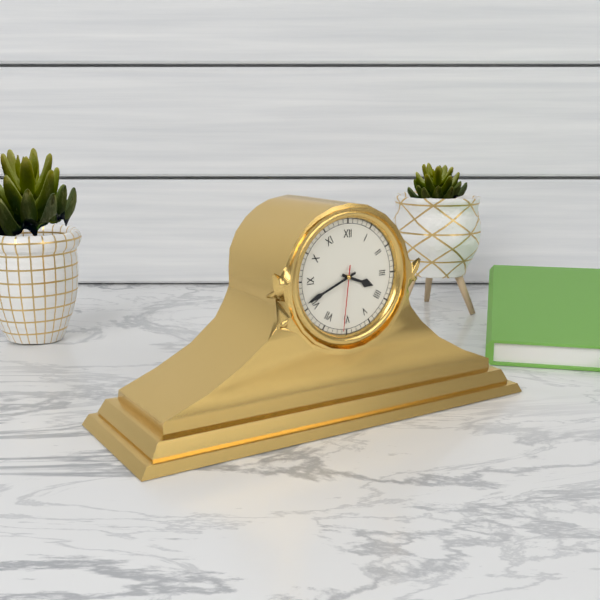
3,41,31
